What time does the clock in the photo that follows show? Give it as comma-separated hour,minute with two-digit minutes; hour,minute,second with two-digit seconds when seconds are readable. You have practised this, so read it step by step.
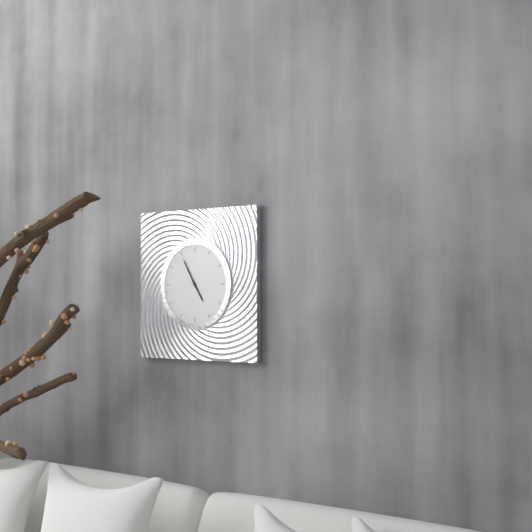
4,55
